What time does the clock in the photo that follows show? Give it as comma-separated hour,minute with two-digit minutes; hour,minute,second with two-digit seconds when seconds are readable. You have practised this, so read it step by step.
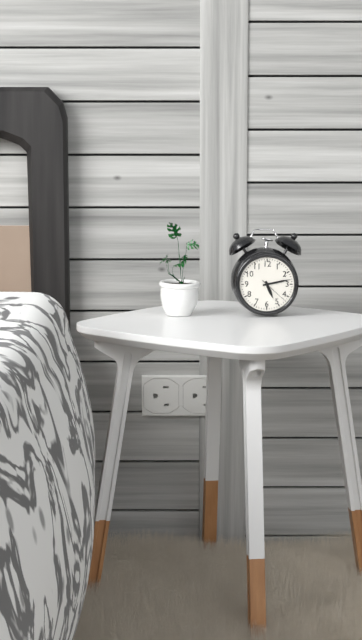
5,13
